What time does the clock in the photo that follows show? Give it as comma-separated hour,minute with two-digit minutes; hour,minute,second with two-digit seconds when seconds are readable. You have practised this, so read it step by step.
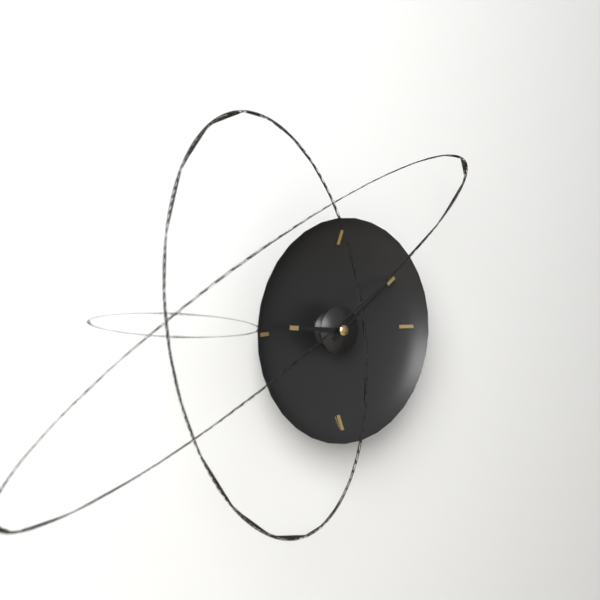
9,09
